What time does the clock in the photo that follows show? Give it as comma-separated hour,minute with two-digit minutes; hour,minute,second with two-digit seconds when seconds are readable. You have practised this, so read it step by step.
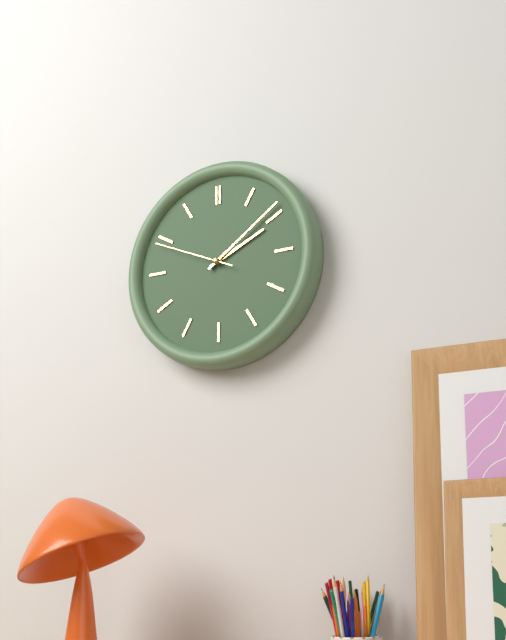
2,09,49
